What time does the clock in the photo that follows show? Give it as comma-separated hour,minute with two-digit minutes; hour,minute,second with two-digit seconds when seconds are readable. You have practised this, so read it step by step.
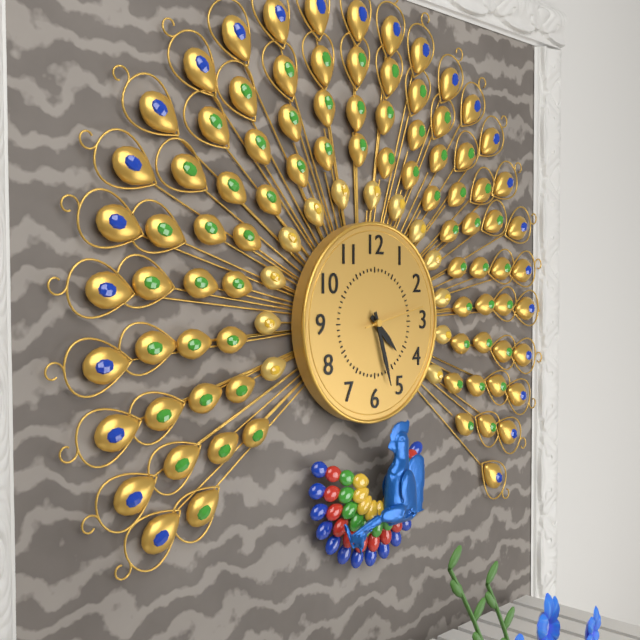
4,27,13
